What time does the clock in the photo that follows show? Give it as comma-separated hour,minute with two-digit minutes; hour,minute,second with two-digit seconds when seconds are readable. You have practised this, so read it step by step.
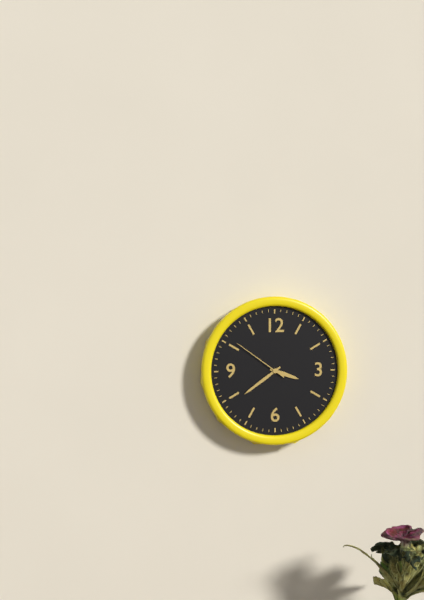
3,39,51
